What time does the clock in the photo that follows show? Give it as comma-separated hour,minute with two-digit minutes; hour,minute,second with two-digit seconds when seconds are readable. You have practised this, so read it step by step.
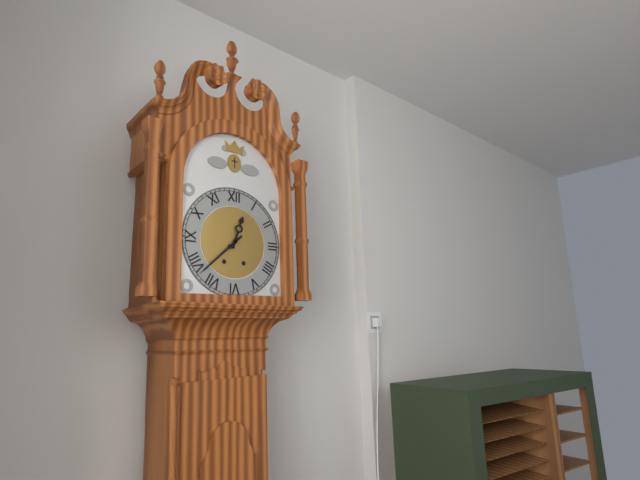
12,38
